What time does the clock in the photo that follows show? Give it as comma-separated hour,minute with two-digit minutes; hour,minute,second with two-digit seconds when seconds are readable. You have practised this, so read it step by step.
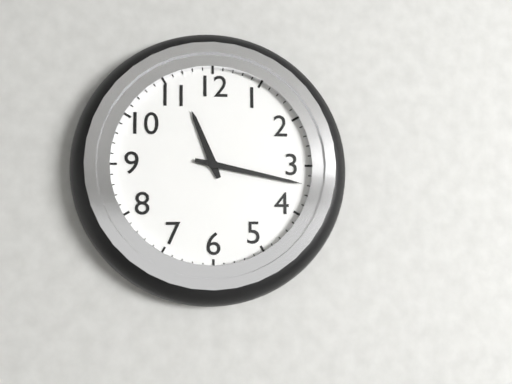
11,17
